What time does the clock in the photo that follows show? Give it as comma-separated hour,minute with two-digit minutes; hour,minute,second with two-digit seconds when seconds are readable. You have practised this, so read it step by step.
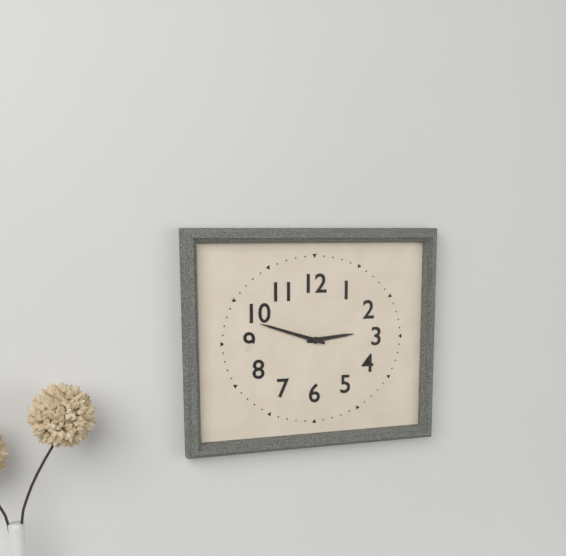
2,48
